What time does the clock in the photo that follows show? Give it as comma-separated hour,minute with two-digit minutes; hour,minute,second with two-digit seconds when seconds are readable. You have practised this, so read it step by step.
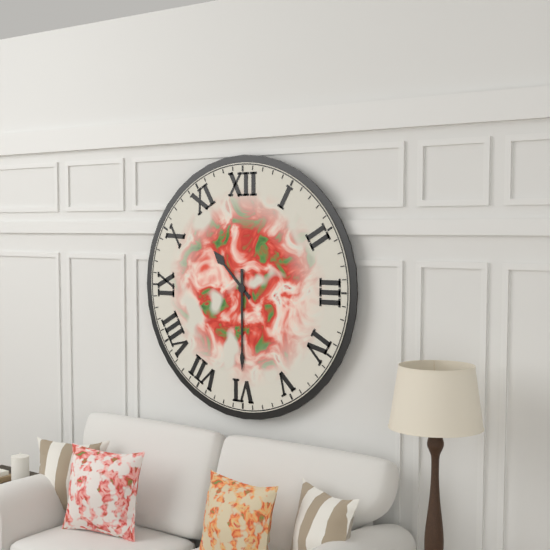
10,30
